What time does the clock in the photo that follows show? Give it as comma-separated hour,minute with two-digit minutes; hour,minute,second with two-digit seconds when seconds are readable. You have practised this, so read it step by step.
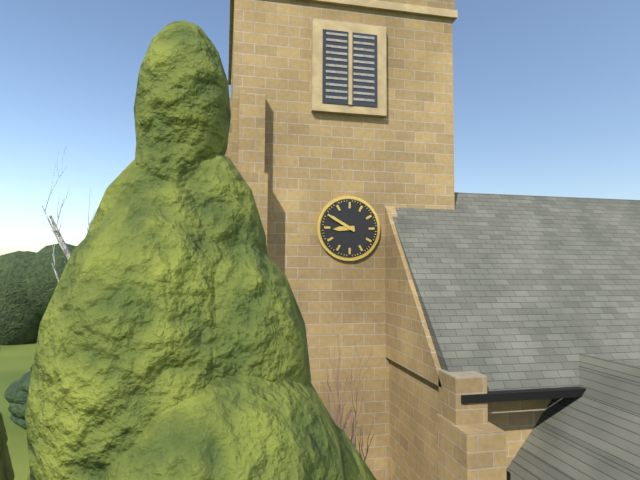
8,50
